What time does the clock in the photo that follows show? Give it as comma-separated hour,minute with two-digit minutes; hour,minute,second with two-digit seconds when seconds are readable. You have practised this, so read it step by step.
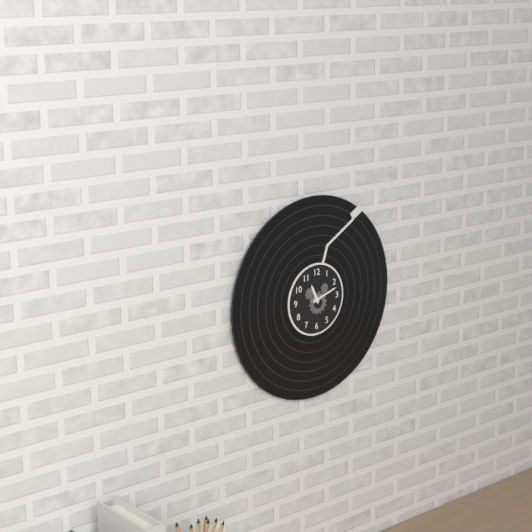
11,12
